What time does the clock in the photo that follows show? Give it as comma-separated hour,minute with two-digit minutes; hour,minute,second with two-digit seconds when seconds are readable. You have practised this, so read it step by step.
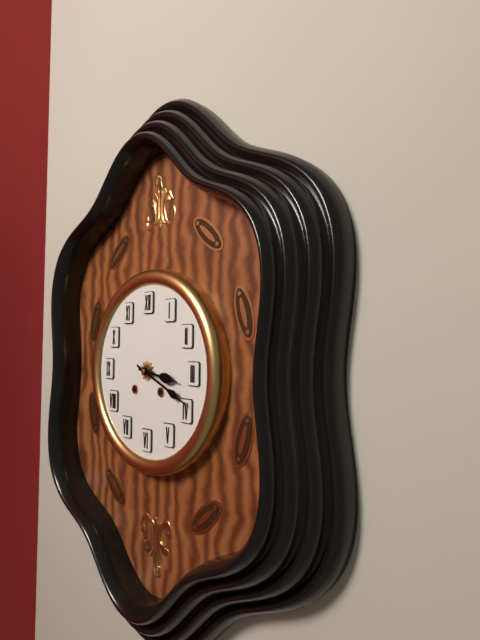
3,19
